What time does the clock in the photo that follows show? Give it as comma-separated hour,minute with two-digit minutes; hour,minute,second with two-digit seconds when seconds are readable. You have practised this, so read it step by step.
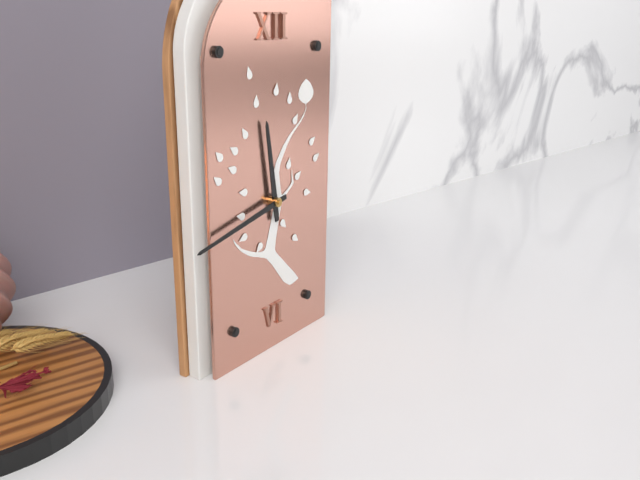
11,43
